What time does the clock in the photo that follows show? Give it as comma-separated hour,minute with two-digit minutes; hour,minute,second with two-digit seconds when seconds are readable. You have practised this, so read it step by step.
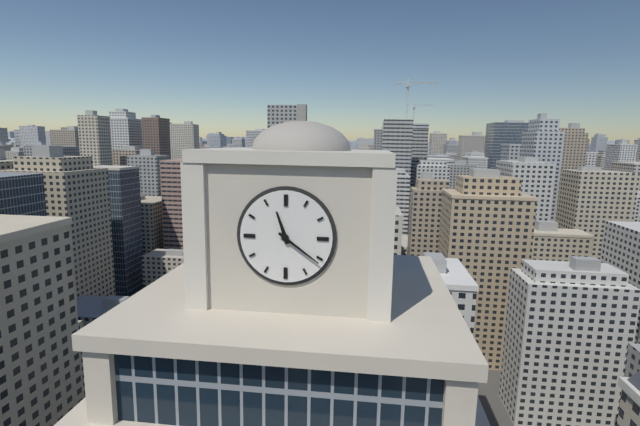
11,21
